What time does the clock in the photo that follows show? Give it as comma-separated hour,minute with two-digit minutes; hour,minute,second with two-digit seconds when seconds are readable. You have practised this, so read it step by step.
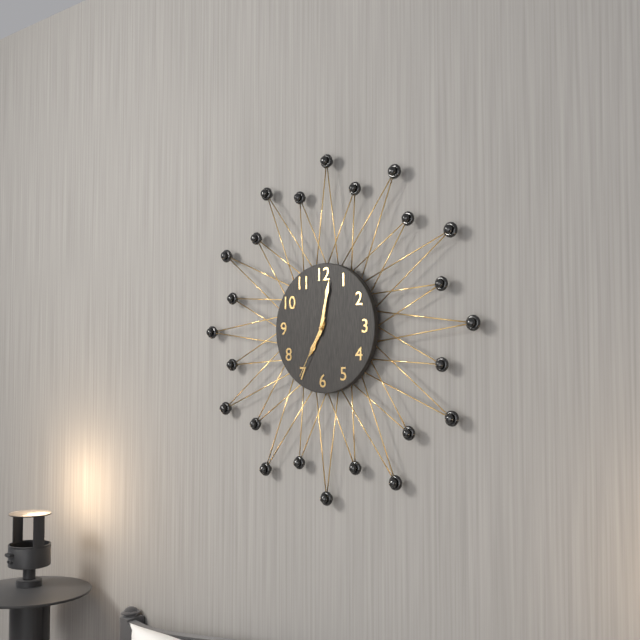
7,02,35
